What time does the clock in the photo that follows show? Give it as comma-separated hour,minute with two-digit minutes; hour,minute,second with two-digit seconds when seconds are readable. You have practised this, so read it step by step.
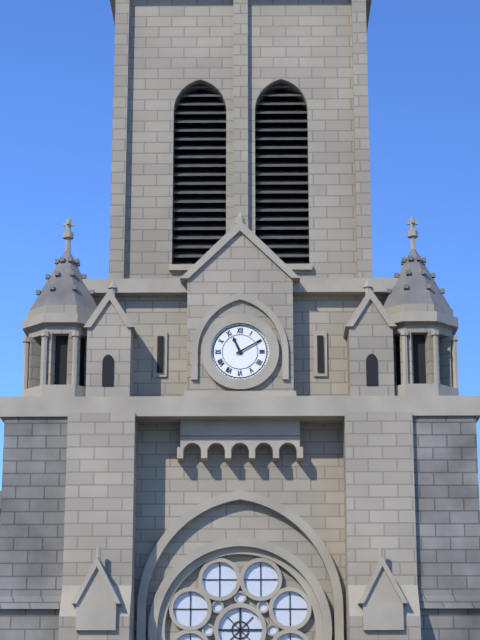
11,10
